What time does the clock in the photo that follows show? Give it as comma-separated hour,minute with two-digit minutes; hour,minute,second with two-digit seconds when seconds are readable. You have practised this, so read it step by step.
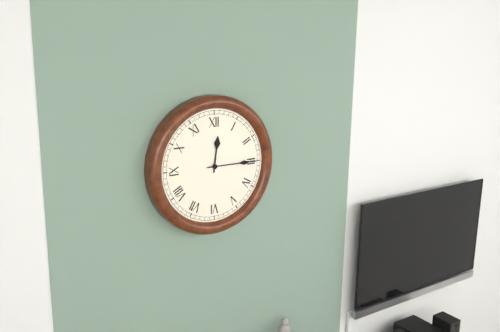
12,15
